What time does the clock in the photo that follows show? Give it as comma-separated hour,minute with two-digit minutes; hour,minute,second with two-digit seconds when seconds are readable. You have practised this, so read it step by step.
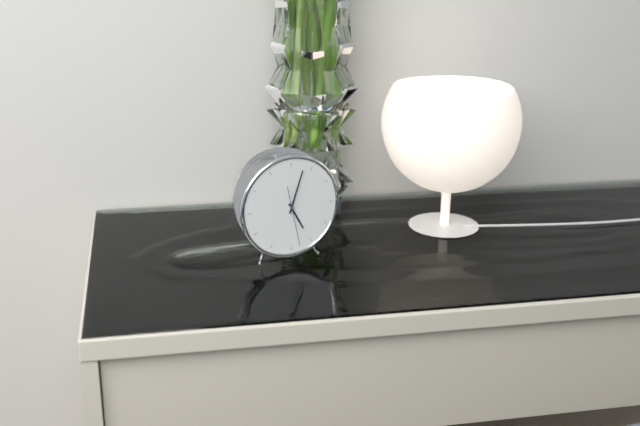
5,03
